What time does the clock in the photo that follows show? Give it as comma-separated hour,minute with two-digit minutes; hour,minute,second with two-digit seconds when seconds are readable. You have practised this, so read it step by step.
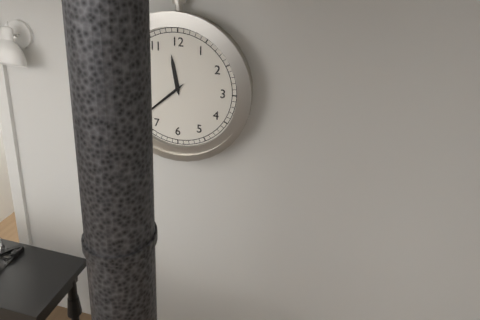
11,38
